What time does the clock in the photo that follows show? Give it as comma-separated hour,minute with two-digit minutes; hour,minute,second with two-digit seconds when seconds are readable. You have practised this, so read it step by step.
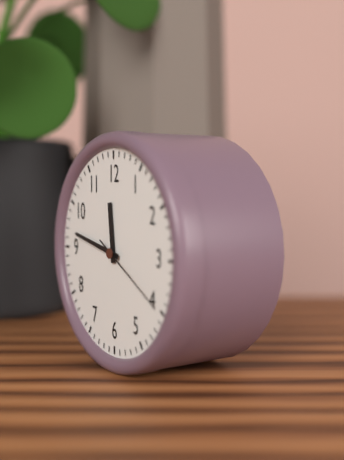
11,47,20
